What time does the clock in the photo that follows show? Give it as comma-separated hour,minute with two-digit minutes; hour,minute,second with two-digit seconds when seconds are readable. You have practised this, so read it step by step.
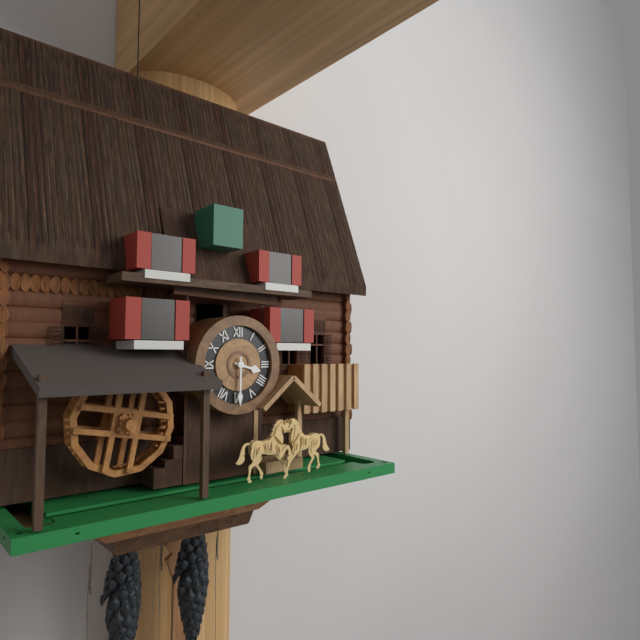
3,30
